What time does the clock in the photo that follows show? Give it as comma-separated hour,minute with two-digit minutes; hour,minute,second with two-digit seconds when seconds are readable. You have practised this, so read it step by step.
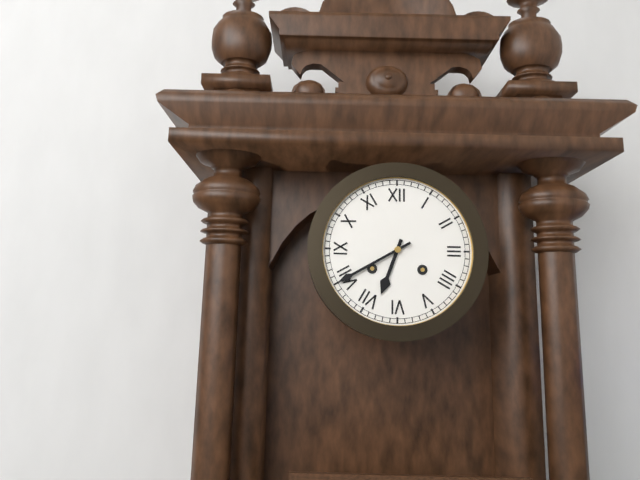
6,40
